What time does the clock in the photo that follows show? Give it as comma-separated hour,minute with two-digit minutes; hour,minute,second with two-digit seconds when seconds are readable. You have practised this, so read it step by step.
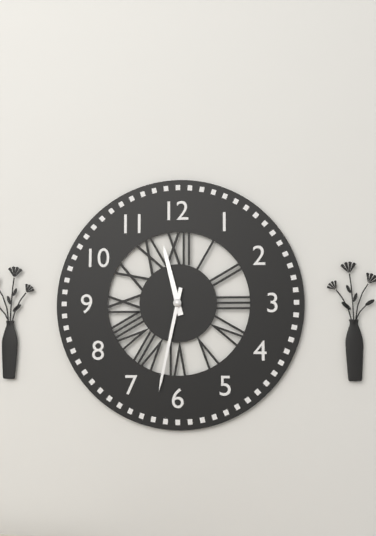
11,32
